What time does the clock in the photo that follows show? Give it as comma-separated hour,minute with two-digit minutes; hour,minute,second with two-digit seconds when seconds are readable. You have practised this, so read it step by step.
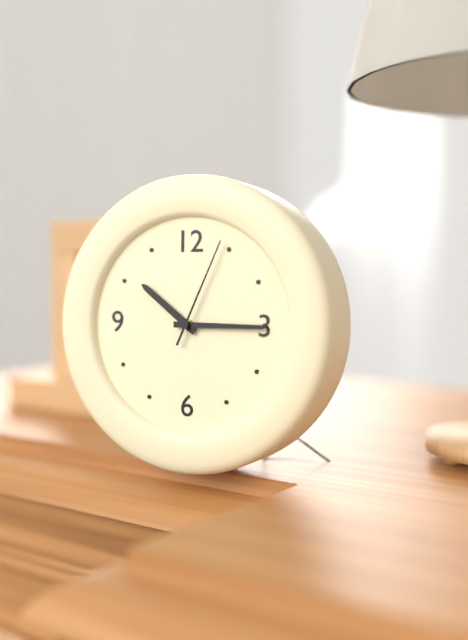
10,15,04
